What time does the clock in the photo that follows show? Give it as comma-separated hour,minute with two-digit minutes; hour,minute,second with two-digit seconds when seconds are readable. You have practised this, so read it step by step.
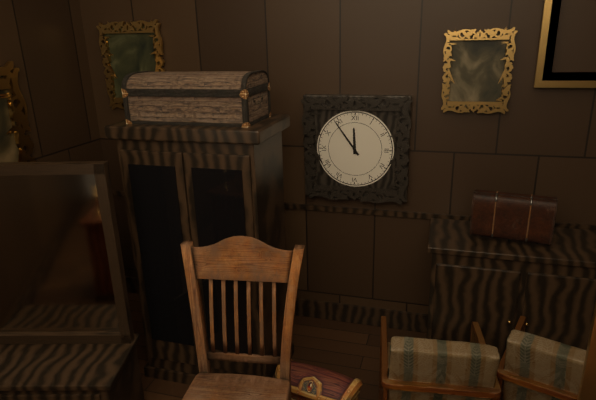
11,54
